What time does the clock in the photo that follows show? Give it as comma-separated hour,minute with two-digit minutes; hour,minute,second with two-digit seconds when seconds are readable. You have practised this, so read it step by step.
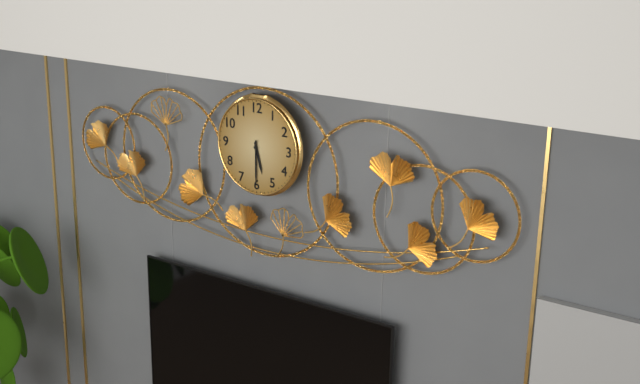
5,30
